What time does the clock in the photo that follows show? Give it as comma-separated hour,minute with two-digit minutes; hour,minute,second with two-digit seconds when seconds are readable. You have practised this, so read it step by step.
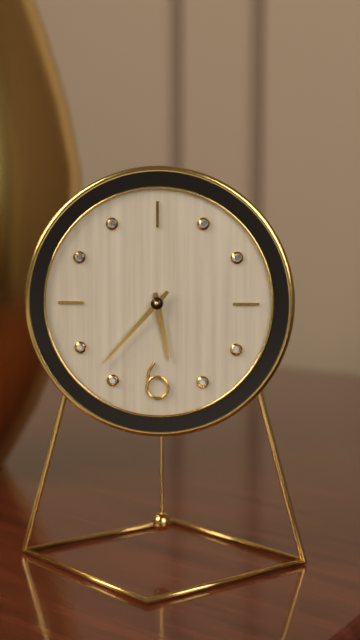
5,37
